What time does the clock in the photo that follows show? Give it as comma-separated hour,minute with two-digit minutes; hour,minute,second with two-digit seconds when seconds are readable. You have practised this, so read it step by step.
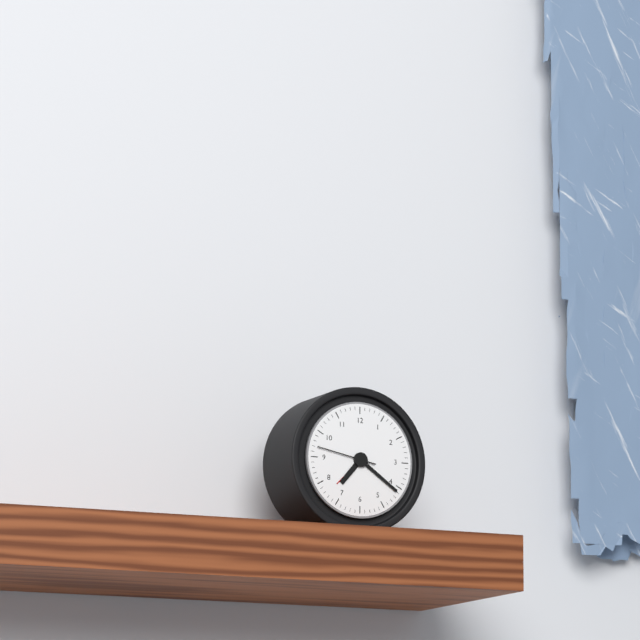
7,21,47
